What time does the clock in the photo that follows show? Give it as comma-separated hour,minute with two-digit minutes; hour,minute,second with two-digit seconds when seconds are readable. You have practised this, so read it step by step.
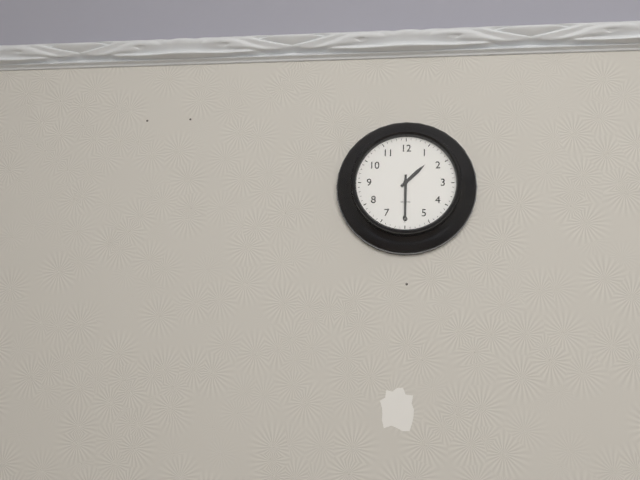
1,30
